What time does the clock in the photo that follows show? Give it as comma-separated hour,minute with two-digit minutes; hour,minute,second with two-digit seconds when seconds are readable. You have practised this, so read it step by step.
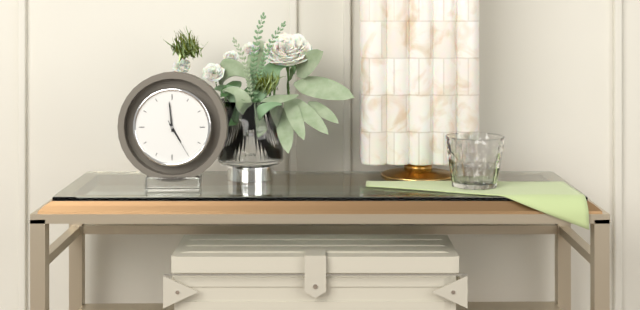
4,59
